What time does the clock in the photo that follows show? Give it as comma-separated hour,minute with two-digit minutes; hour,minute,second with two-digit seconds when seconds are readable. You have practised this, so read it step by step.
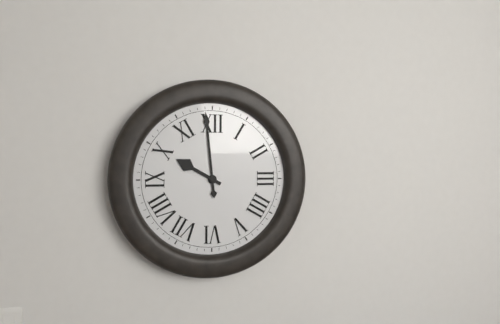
9,59
